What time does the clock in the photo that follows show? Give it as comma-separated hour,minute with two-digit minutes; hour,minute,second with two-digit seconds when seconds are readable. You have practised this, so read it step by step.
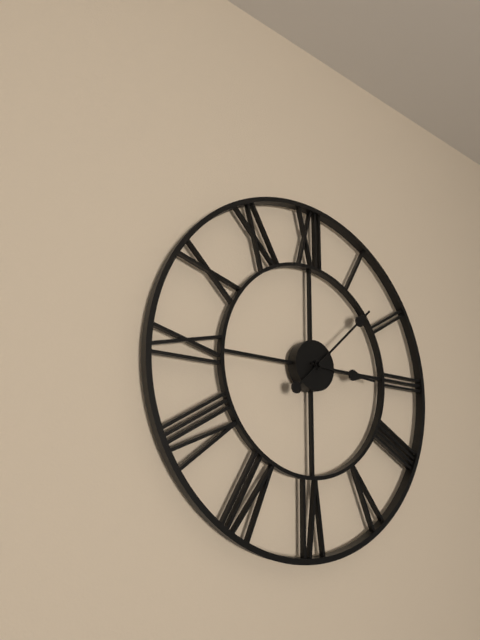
3,08
